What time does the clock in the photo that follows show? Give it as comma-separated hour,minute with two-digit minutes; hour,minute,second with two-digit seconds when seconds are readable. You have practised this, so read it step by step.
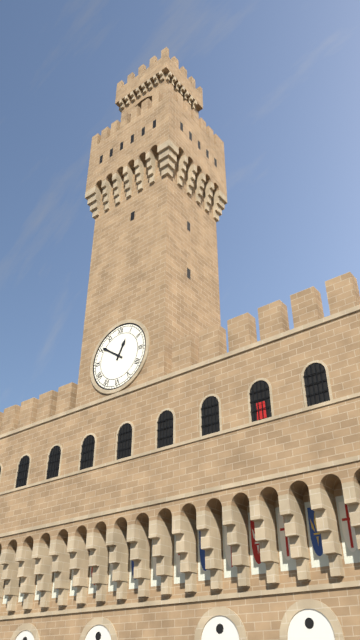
12,51
